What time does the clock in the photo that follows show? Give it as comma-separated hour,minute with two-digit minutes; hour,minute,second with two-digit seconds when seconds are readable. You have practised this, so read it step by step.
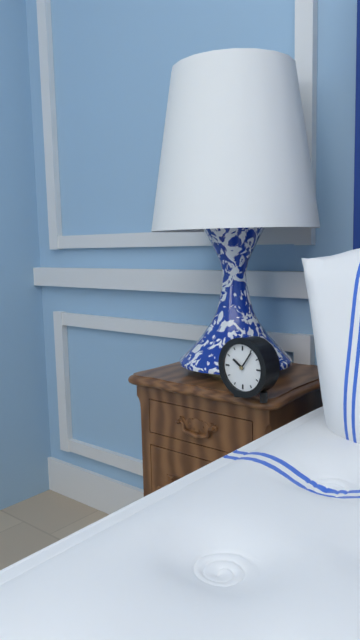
10,06
